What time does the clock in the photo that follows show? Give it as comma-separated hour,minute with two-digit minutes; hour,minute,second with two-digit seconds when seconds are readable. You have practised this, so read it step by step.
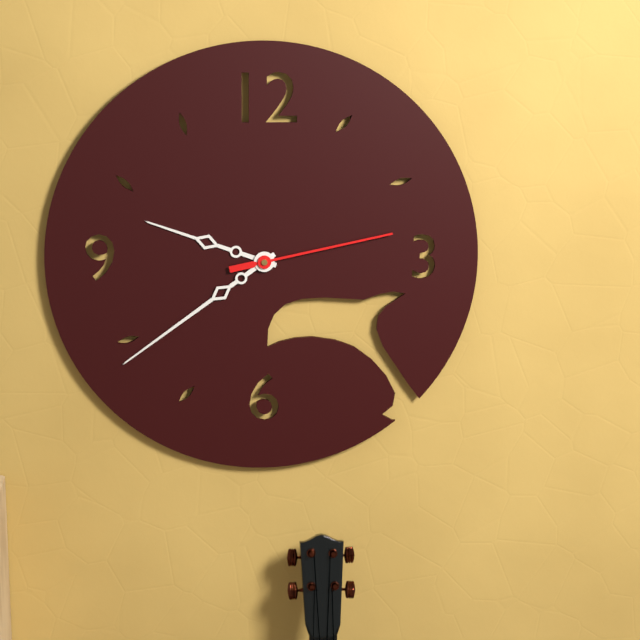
9,39,13
